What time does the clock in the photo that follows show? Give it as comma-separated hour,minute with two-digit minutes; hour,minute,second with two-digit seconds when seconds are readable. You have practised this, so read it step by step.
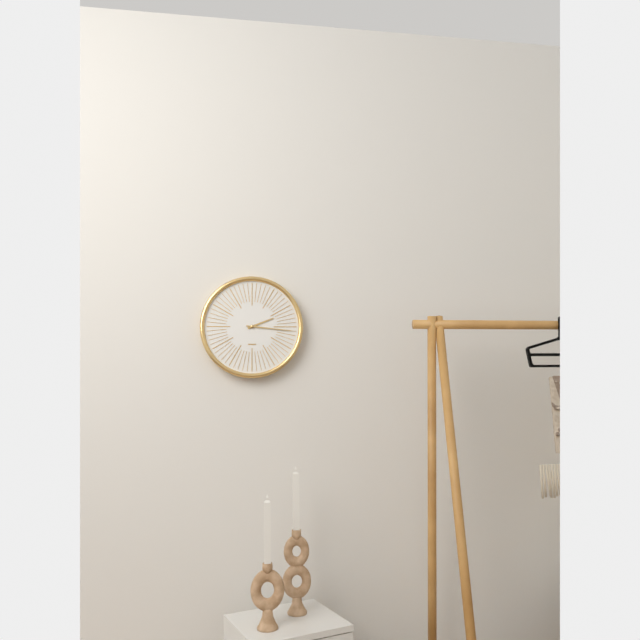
2,16
